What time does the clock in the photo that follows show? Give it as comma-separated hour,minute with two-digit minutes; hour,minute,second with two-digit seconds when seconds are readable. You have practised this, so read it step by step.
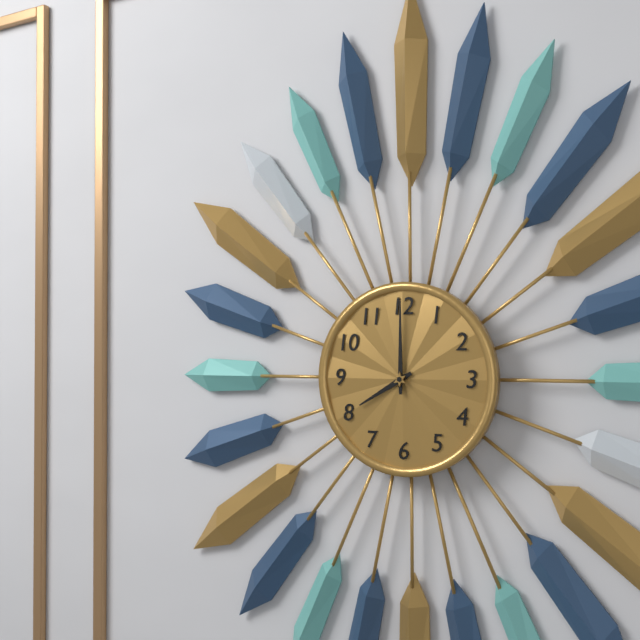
8,00
